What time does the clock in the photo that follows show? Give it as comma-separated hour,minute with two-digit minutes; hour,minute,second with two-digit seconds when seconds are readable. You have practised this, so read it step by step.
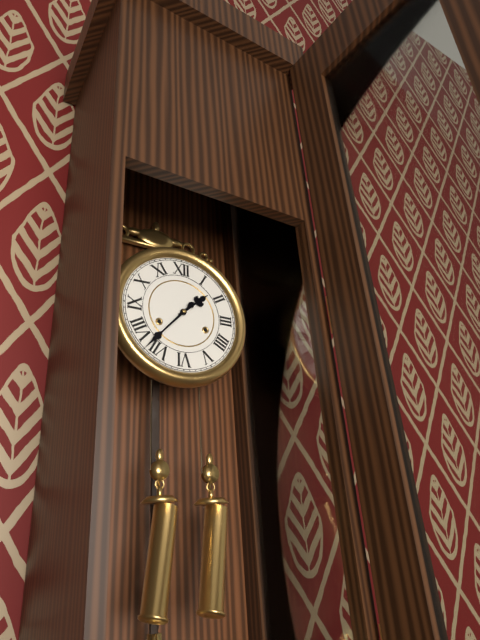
1,37
